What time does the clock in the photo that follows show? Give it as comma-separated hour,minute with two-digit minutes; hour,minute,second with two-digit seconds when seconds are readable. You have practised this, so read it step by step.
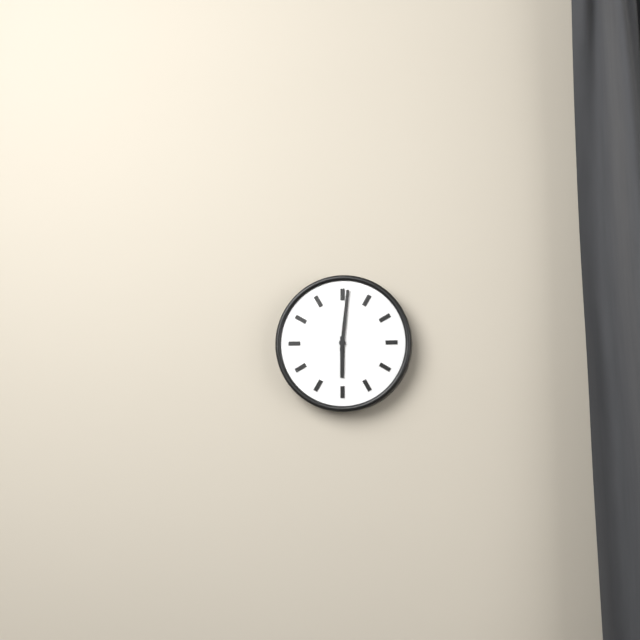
6,01
